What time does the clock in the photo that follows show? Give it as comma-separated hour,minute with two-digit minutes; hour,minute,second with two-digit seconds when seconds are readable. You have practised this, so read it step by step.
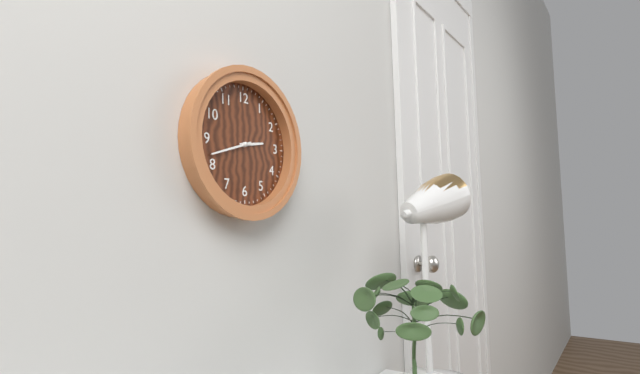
2,42
